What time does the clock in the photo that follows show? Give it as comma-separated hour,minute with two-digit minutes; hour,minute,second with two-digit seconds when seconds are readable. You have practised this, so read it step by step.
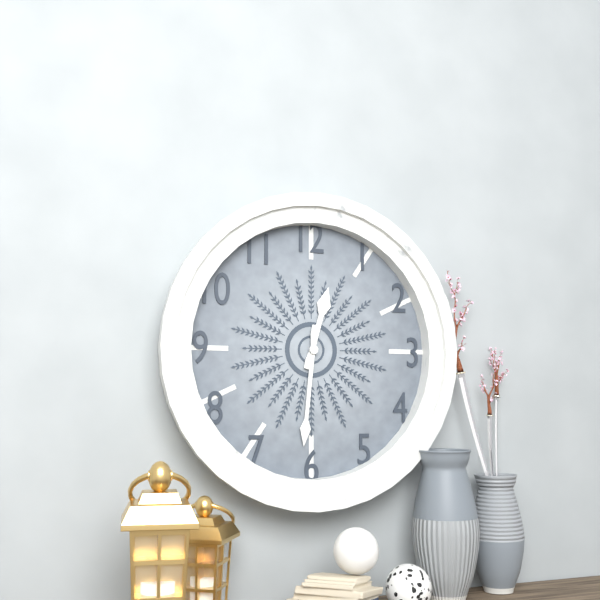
12,31
